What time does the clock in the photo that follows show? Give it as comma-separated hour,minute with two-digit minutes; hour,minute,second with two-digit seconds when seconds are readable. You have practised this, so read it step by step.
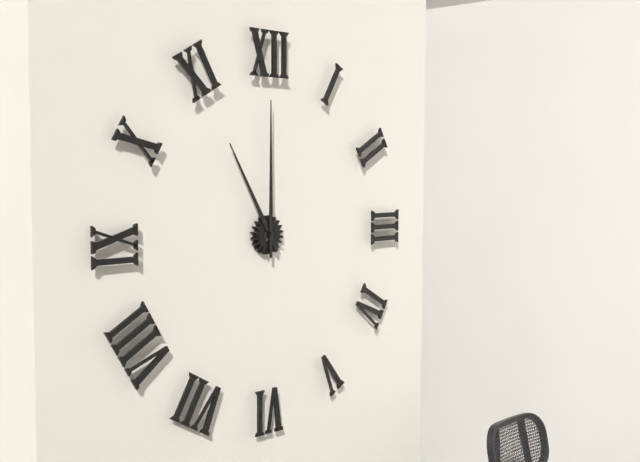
11,00
